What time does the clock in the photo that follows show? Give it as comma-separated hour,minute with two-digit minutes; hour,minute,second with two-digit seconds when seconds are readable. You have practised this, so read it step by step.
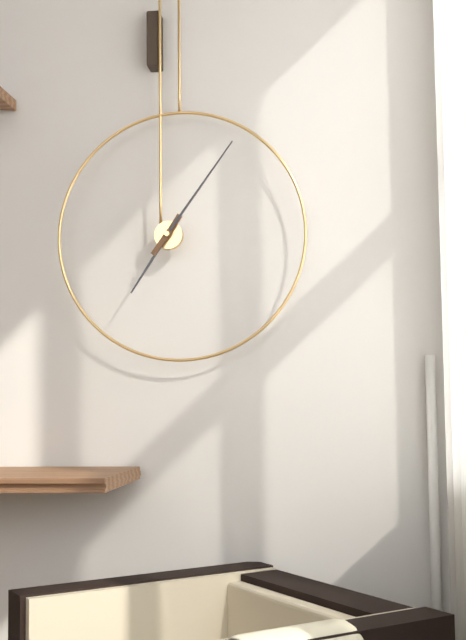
7,06
